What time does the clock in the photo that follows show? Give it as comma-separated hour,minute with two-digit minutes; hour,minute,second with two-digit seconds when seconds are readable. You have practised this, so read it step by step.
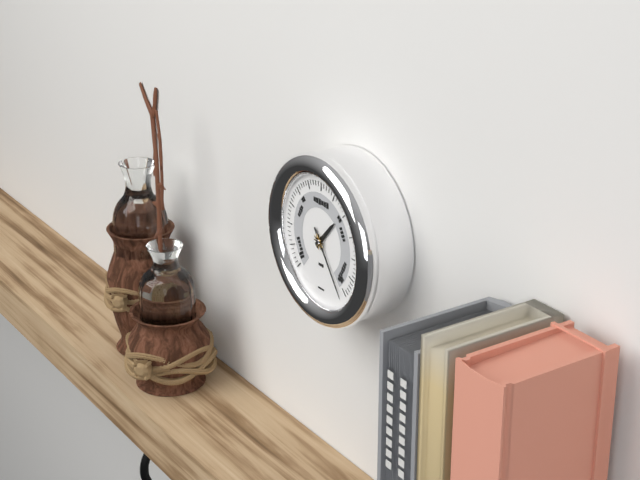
1,24
